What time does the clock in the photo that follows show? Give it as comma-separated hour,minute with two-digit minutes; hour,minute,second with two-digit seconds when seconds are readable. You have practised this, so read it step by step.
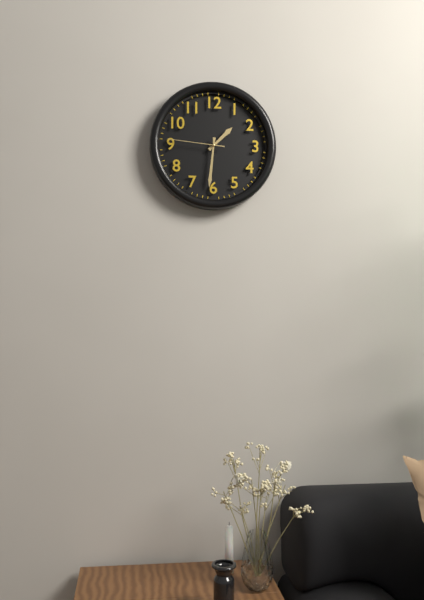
1,31,46
